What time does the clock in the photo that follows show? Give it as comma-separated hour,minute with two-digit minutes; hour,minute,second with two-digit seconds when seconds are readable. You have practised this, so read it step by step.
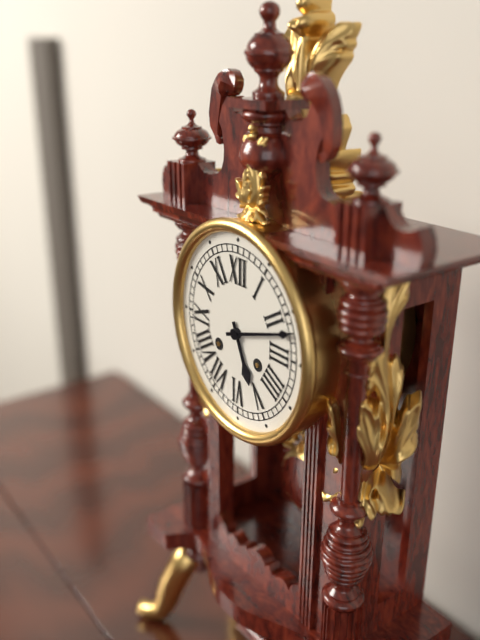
5,12
